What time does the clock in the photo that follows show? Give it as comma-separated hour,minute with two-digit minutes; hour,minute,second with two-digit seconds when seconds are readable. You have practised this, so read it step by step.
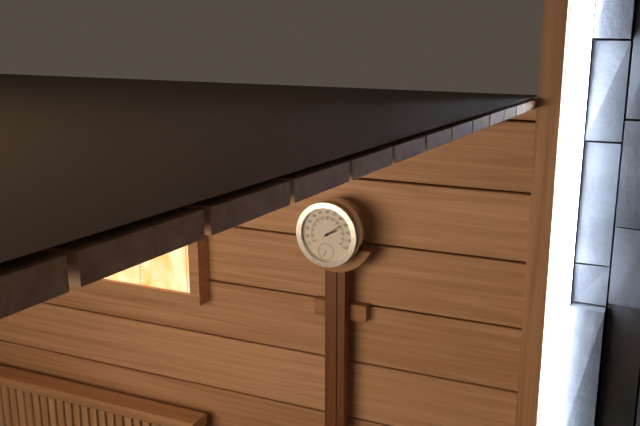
2,09
